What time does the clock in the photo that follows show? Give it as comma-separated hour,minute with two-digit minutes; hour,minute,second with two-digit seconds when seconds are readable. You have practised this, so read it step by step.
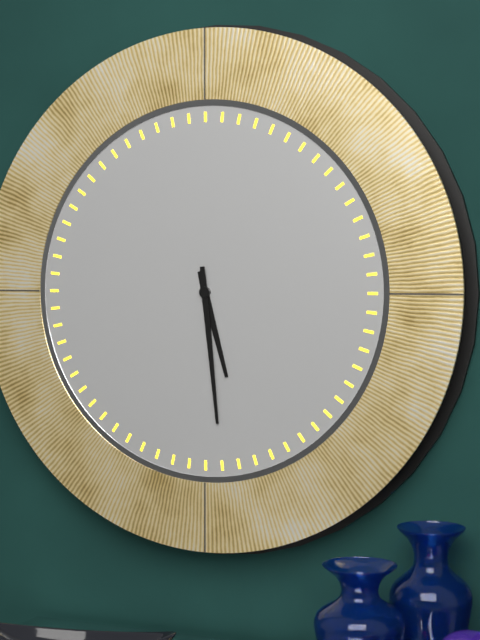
5,29
